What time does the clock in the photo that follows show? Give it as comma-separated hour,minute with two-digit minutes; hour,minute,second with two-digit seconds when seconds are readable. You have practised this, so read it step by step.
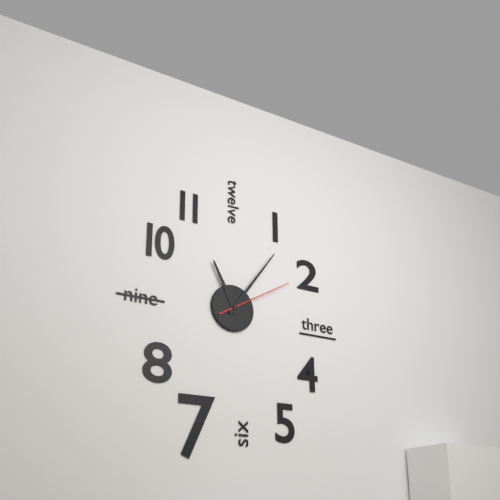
11,06,10
